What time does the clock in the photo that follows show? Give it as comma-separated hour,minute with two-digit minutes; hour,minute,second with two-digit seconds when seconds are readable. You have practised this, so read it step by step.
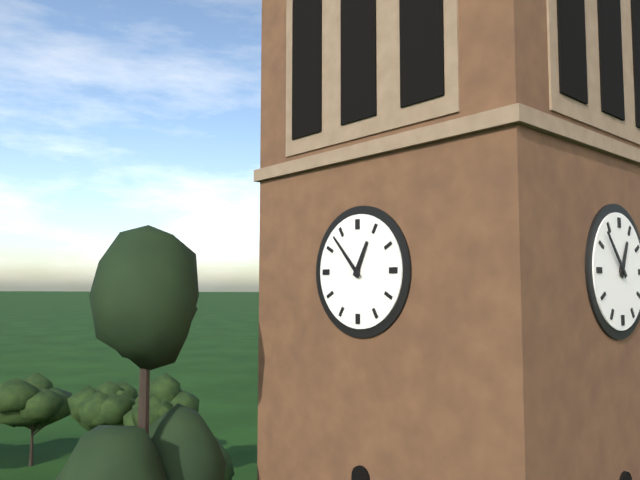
12,53
